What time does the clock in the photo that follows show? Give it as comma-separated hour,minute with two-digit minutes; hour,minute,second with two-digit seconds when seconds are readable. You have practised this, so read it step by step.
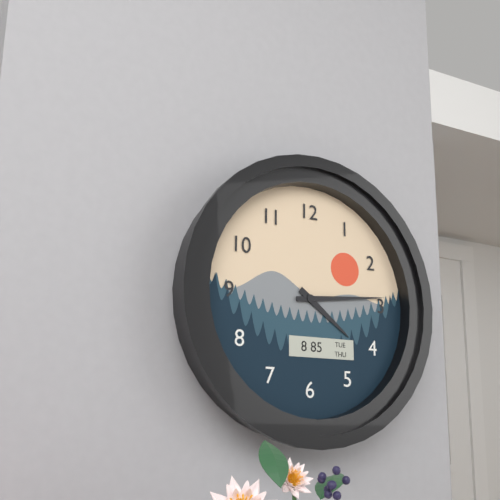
4,14
